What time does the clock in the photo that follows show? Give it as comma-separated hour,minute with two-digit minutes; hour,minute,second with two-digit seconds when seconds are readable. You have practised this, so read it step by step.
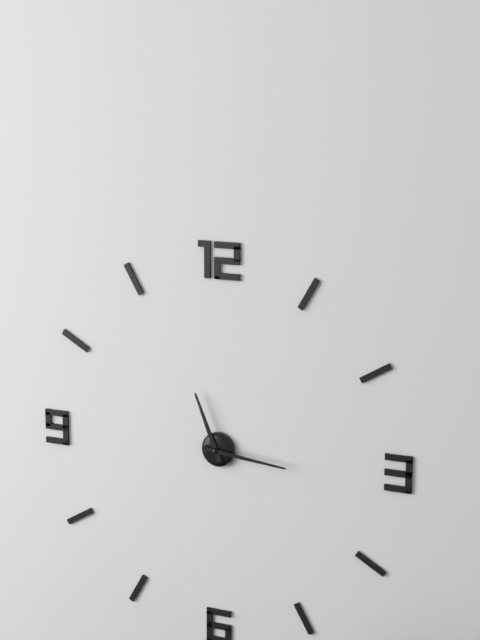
11,16
